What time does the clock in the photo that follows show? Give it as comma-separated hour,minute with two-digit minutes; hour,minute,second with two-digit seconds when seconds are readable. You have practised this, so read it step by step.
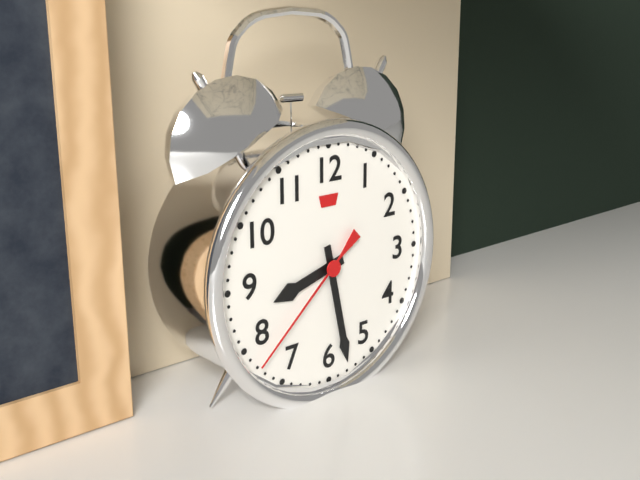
8,28,38
